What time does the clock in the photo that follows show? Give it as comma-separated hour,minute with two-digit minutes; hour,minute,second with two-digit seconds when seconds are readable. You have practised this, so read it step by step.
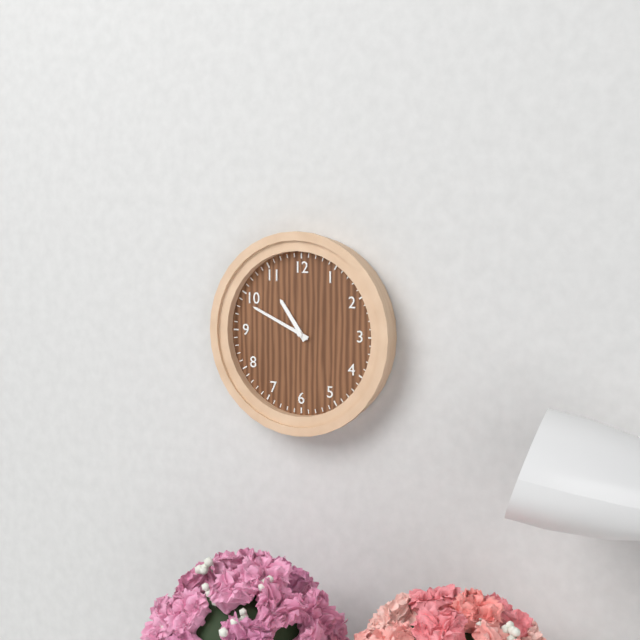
10,49
